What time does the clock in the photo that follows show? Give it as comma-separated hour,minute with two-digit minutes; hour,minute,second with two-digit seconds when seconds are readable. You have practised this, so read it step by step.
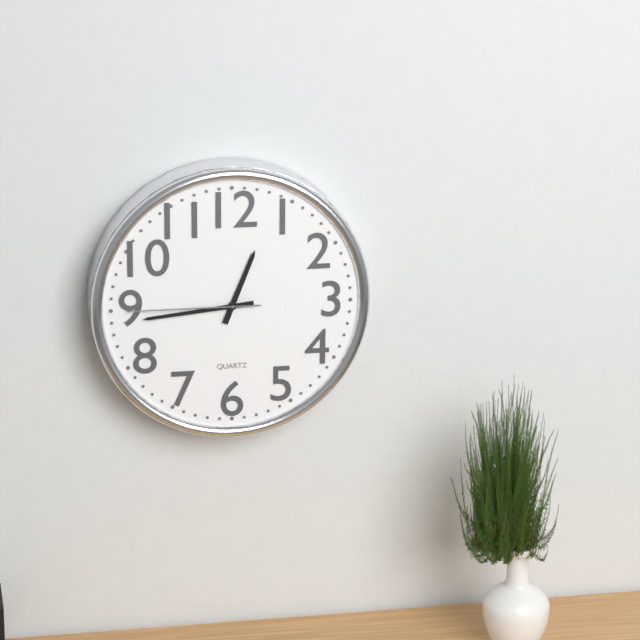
12,44,45
